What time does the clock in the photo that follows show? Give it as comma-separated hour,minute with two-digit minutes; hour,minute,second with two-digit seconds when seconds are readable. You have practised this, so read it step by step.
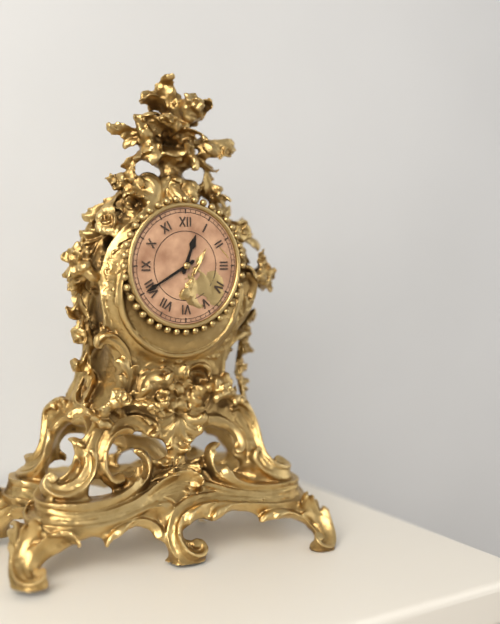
12,40
